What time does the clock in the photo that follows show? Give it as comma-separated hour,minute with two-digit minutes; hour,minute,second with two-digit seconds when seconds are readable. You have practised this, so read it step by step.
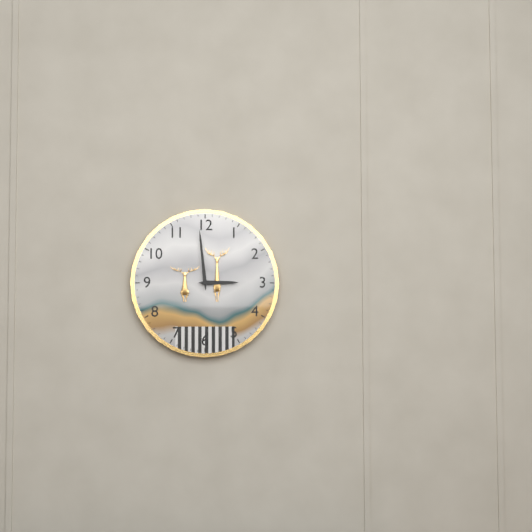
2,59
